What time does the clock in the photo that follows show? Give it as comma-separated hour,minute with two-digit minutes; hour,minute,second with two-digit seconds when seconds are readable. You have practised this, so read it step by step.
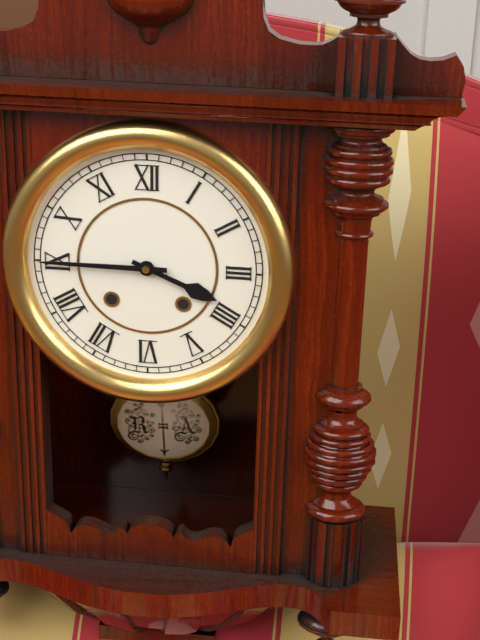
3,45
